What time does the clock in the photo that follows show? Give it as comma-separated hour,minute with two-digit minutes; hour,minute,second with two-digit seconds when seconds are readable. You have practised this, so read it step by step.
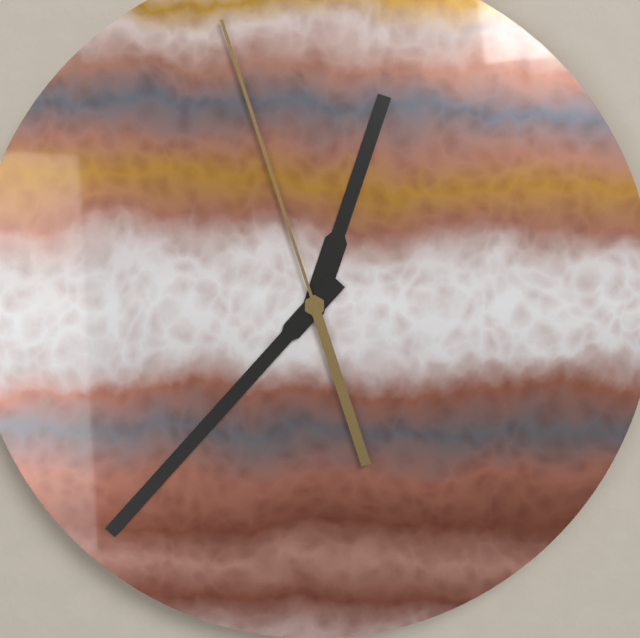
12,37,57
